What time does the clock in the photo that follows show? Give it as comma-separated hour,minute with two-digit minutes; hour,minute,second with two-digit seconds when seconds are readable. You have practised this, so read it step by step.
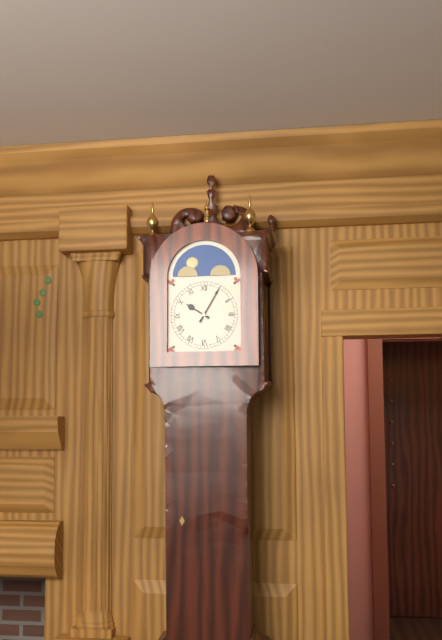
10,05
